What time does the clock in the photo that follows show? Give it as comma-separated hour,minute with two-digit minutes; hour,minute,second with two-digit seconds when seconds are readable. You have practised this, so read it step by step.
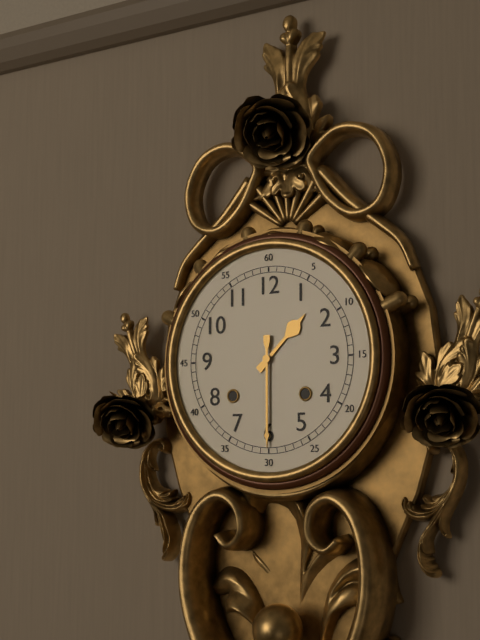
1,30
